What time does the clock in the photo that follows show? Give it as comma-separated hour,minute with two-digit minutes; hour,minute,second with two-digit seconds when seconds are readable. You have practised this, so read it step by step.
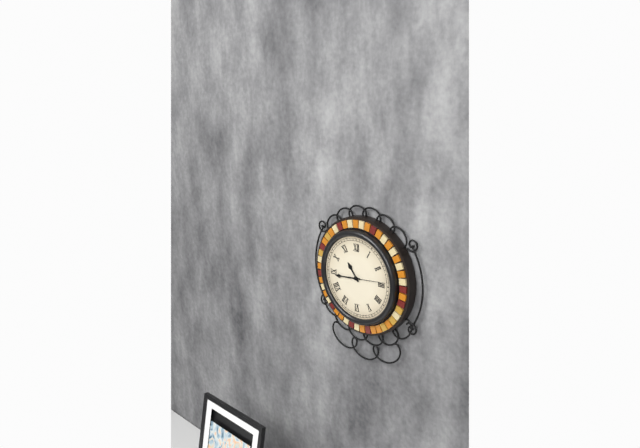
10,44
